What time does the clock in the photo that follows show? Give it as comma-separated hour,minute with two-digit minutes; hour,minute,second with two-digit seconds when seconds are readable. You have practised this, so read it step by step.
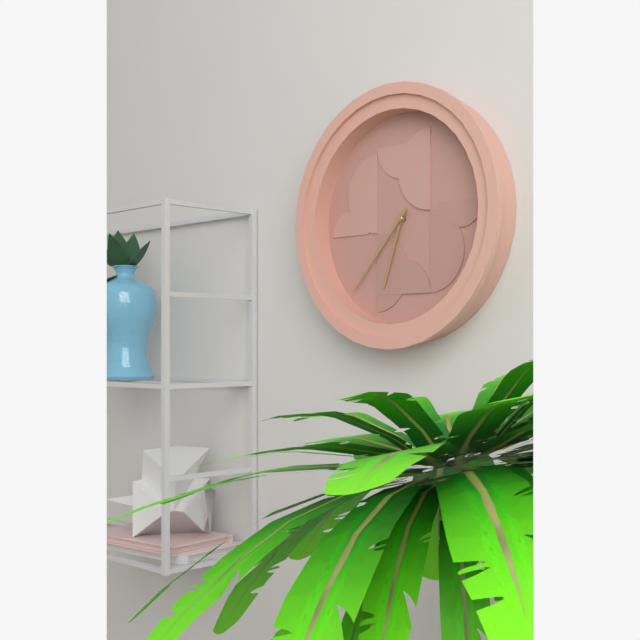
6,37
